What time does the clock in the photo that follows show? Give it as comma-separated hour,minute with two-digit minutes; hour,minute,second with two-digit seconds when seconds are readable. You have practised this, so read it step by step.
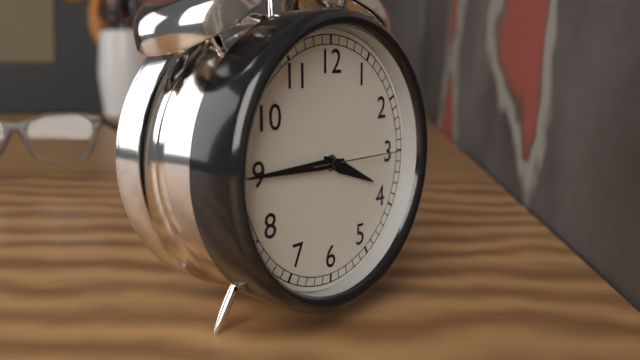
3,45,15
